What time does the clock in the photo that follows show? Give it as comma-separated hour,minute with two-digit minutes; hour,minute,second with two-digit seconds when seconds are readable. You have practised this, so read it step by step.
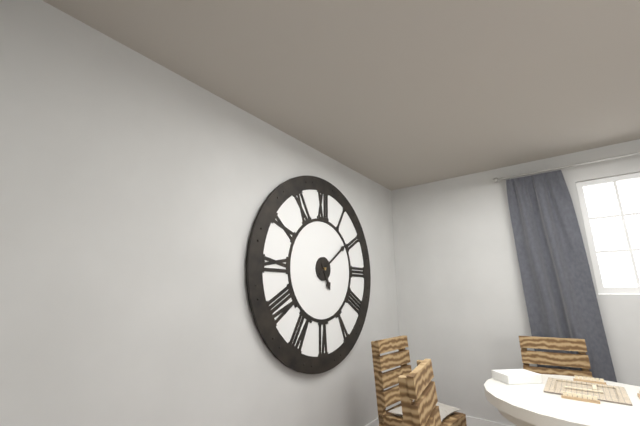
5,09
